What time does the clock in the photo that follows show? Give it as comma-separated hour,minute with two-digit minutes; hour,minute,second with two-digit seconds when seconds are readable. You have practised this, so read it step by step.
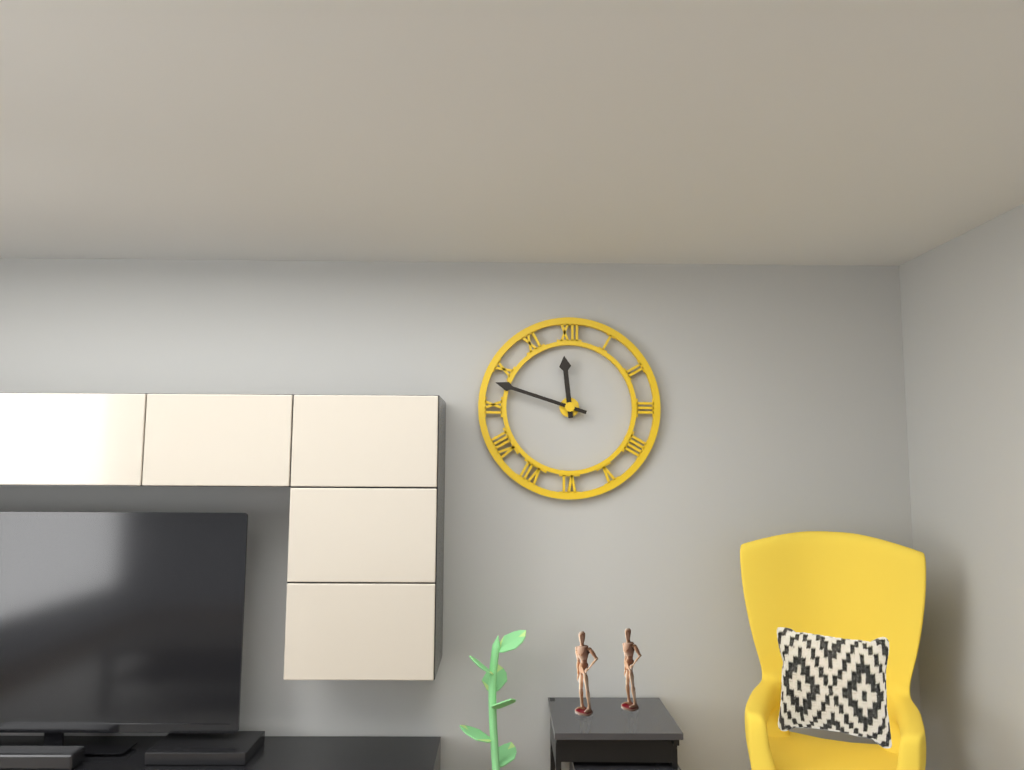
11,48
